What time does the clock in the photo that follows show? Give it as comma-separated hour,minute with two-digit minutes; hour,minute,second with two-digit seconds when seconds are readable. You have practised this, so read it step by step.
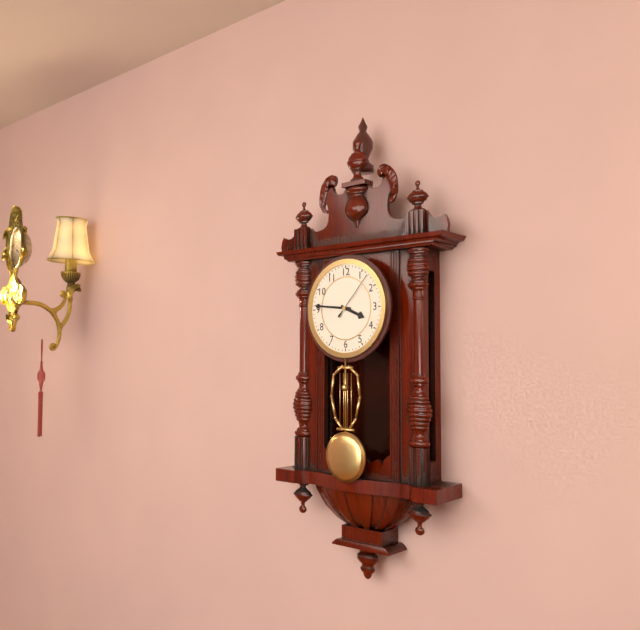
3,46,07
